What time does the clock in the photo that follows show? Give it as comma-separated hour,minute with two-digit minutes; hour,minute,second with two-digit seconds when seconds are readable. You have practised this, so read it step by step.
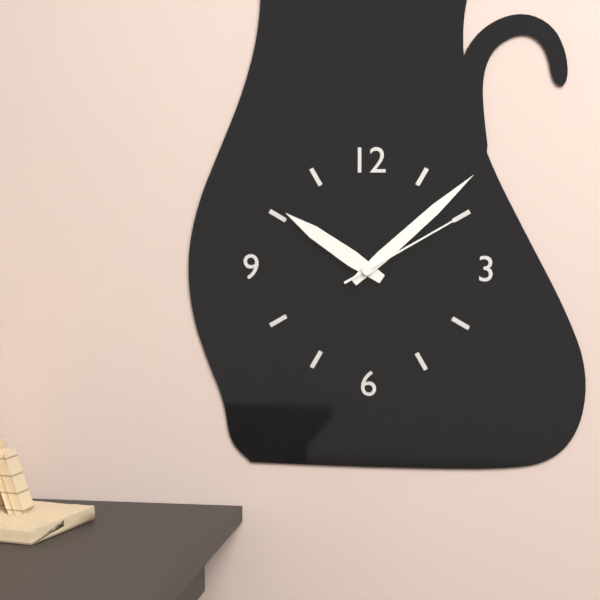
10,08,10
